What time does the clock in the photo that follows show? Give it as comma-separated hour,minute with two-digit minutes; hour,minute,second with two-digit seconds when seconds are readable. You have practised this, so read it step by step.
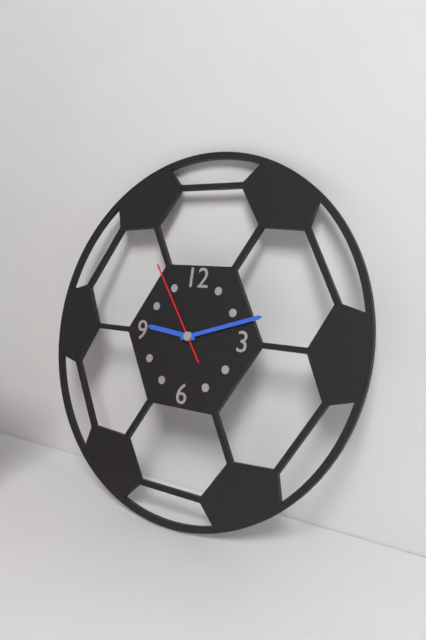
9,12,54
